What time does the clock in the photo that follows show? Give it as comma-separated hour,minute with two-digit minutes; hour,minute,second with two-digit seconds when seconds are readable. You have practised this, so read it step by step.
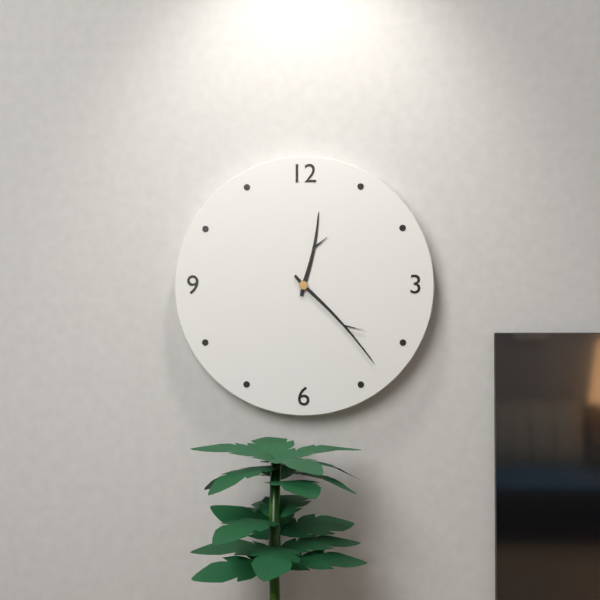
12,23
